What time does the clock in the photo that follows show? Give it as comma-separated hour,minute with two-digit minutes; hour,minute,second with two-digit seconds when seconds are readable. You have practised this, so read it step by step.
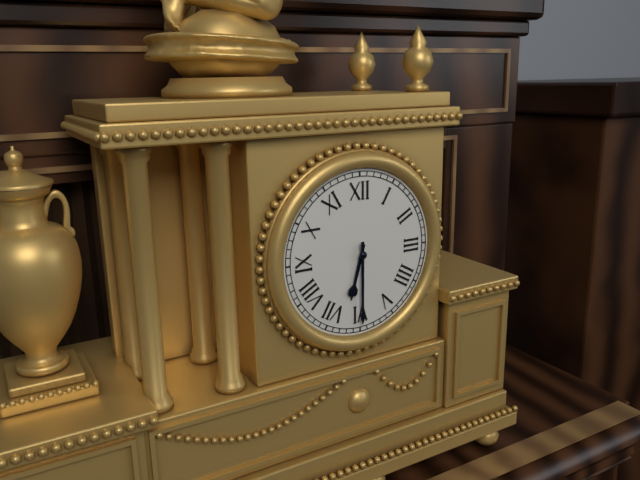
6,30
